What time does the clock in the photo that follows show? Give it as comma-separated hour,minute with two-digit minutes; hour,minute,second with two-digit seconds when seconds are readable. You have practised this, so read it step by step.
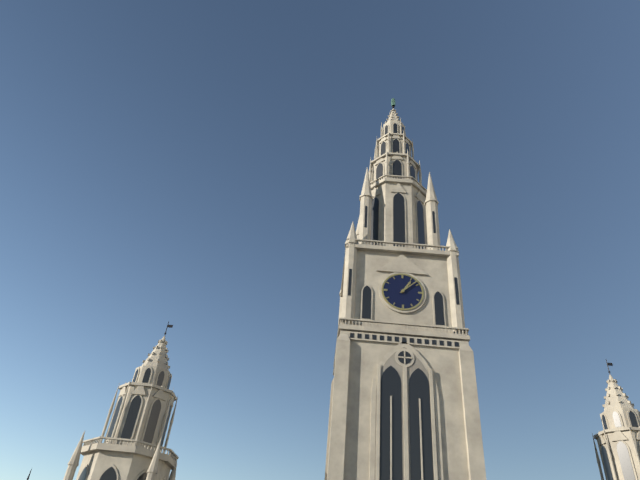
1,08
